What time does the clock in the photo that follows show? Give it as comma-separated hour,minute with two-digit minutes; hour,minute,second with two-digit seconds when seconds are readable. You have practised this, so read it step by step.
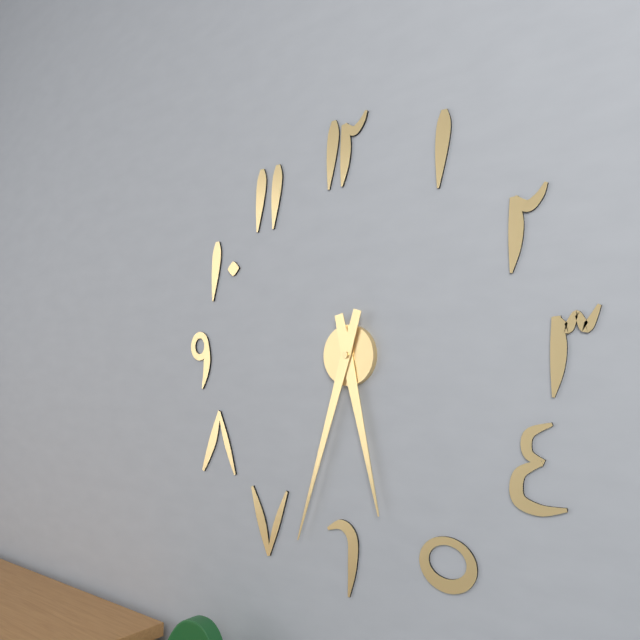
5,33
